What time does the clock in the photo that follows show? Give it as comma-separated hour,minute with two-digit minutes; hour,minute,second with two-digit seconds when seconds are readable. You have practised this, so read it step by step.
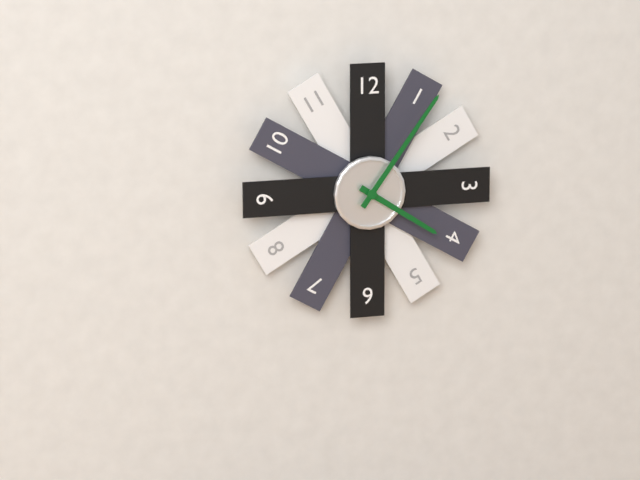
4,06
